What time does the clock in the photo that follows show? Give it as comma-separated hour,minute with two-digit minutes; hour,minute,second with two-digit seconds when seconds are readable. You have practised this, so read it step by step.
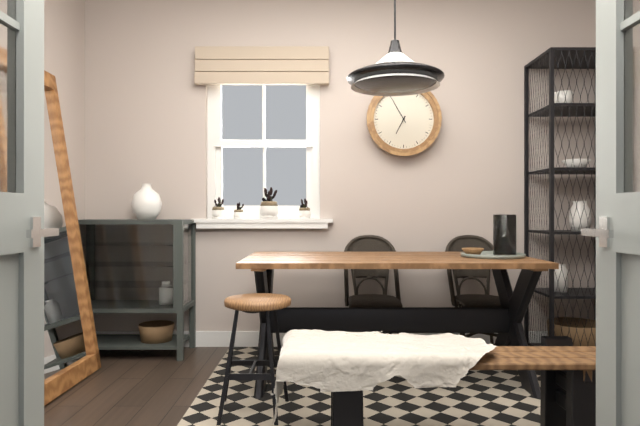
6,55
